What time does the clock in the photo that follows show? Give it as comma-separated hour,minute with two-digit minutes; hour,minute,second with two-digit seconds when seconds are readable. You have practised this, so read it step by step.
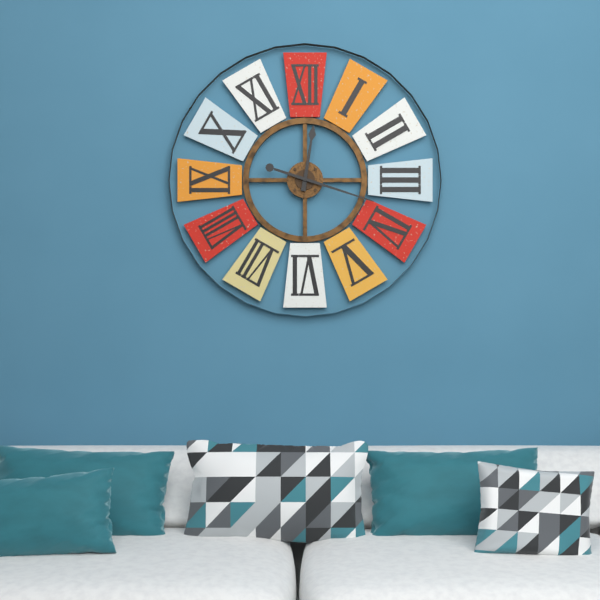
12,18
